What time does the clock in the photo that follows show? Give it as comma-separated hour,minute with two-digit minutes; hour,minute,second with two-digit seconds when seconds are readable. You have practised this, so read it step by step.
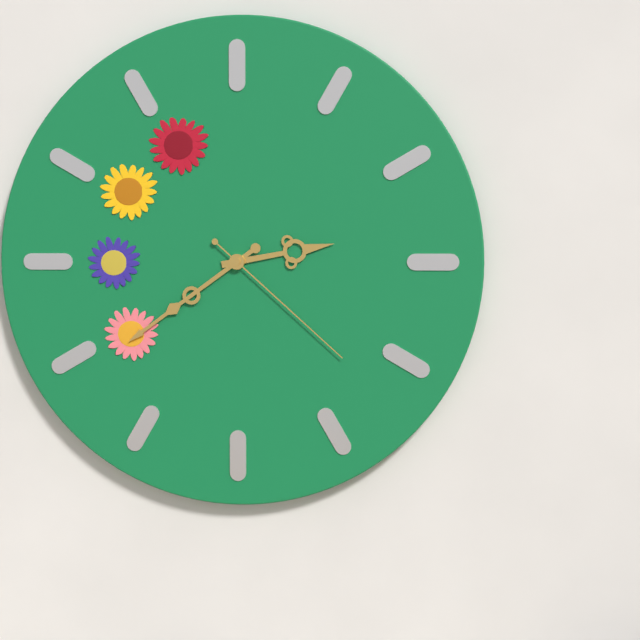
2,39,22
